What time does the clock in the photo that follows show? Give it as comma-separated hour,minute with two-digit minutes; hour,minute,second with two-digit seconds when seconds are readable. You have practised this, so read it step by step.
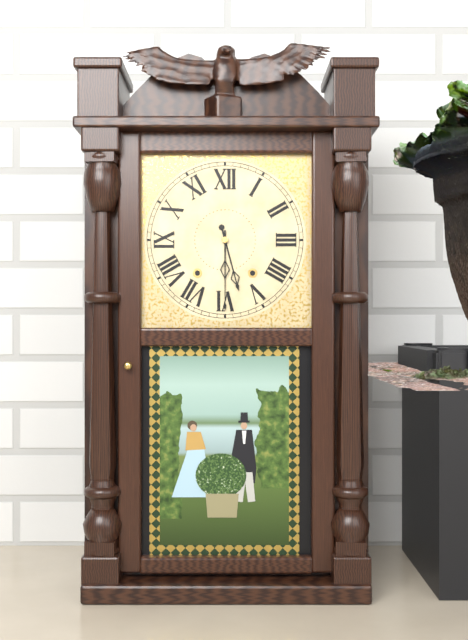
5,30
